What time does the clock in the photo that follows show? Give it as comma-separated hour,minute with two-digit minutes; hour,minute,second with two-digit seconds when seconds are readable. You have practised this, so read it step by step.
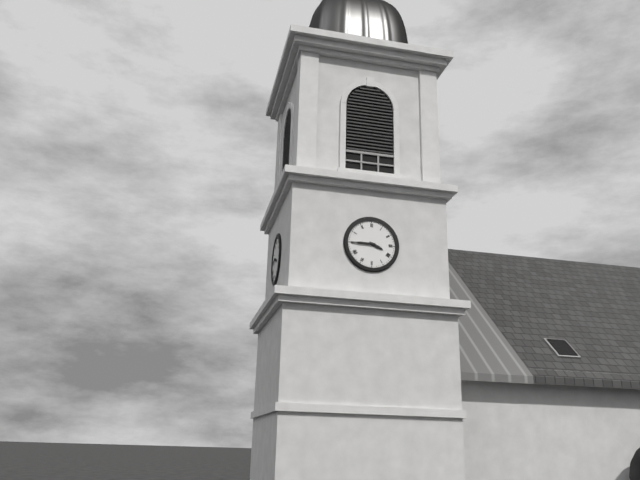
3,45
